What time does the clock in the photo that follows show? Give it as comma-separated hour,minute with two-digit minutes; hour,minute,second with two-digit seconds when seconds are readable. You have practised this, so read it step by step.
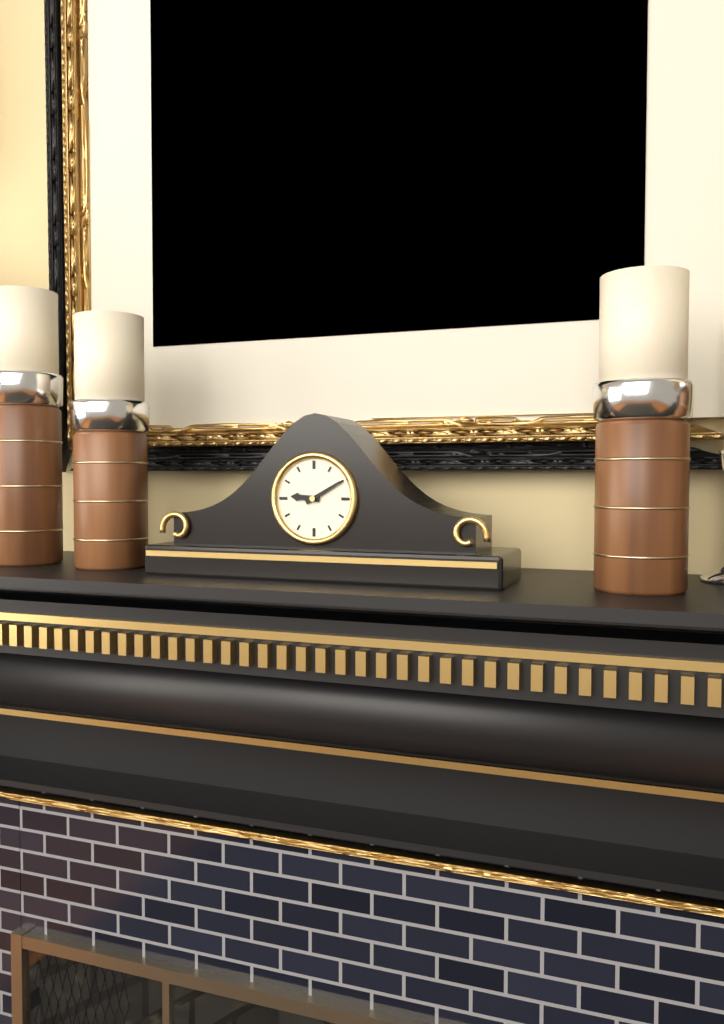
9,10
